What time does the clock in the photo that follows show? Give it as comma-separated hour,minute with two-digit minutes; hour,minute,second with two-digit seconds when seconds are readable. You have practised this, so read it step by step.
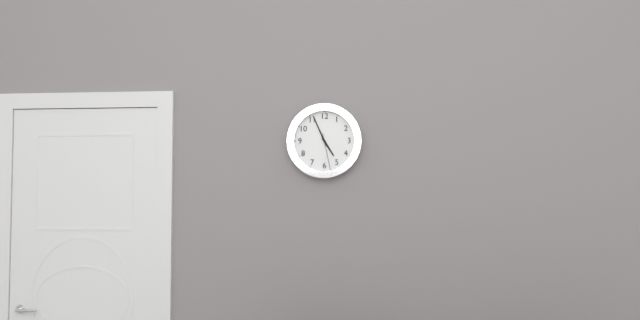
4,56
